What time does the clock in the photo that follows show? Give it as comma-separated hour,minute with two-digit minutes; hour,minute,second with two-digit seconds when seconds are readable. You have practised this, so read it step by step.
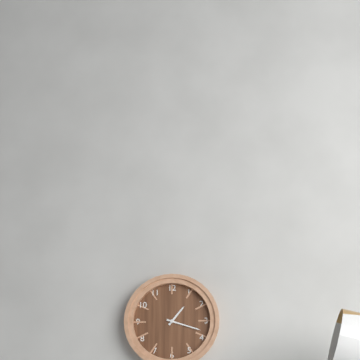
1,18
